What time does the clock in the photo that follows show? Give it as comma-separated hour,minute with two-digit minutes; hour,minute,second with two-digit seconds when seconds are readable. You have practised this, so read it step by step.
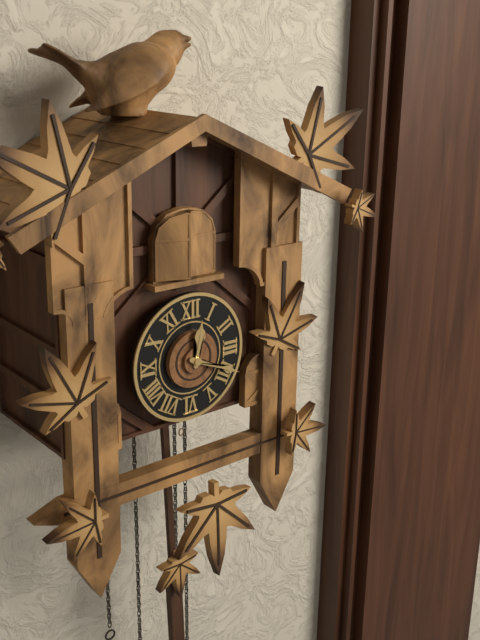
12,19
